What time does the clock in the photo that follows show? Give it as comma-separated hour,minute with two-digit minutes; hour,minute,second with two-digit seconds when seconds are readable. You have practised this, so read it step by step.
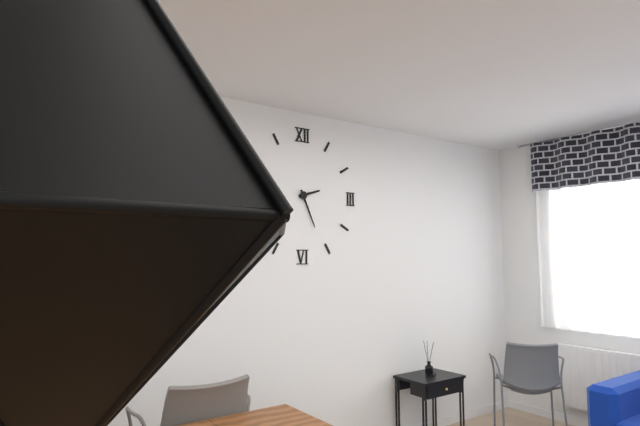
2,26
